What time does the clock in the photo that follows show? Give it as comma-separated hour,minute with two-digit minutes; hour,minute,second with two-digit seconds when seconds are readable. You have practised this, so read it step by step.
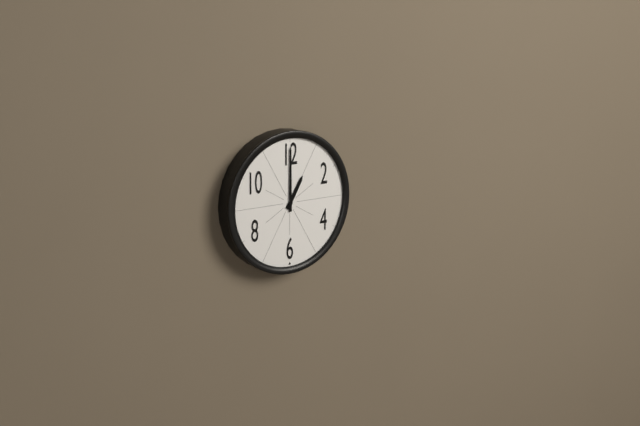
1,00
